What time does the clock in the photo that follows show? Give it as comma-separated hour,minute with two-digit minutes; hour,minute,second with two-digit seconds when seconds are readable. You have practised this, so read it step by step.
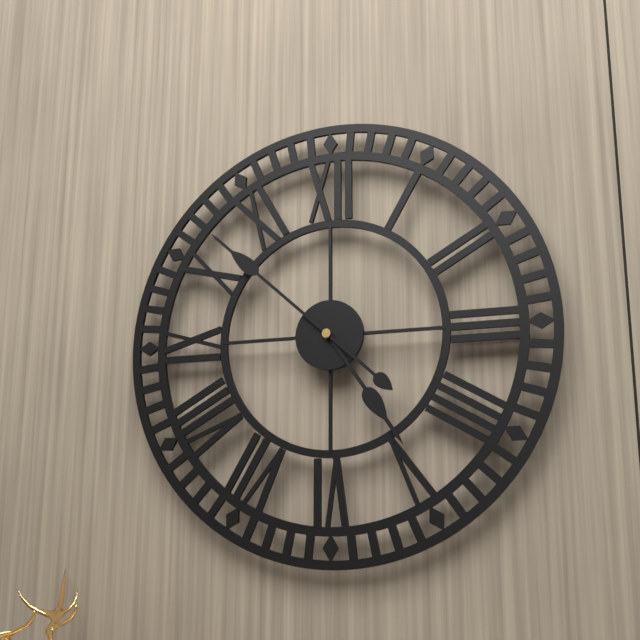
4,52
